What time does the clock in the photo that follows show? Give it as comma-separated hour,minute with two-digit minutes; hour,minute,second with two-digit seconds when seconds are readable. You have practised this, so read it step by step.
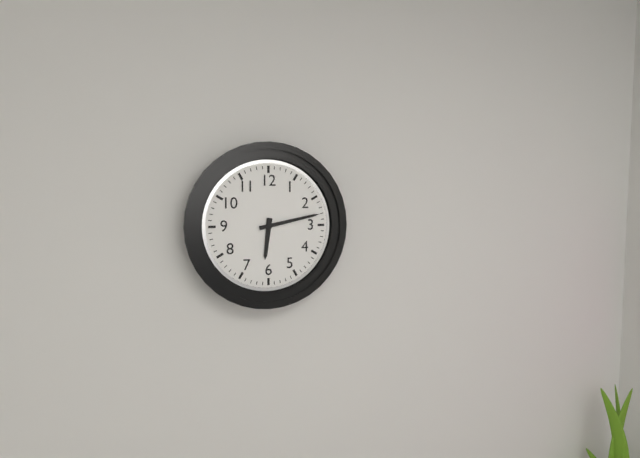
6,13
